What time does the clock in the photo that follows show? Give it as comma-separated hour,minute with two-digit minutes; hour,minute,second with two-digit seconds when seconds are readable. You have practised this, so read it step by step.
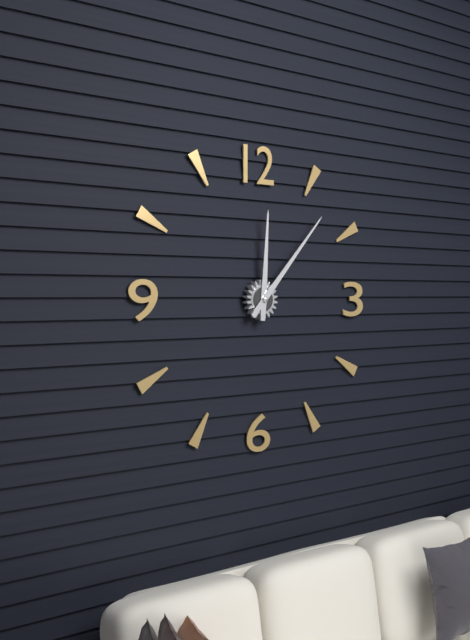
12,07
